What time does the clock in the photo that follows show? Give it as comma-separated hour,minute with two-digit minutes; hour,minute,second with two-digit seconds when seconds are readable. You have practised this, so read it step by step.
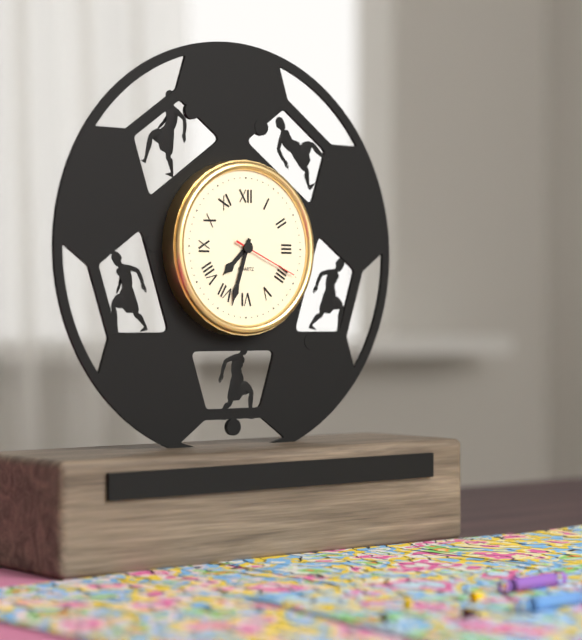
7,33,19
